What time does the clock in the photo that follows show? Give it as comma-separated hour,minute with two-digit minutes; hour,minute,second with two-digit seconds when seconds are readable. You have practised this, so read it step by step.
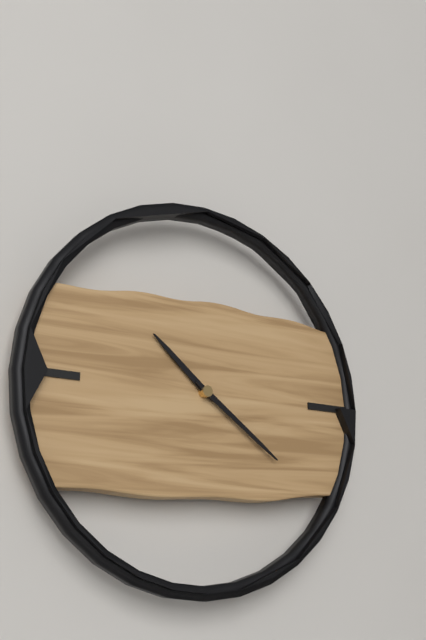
10,21
